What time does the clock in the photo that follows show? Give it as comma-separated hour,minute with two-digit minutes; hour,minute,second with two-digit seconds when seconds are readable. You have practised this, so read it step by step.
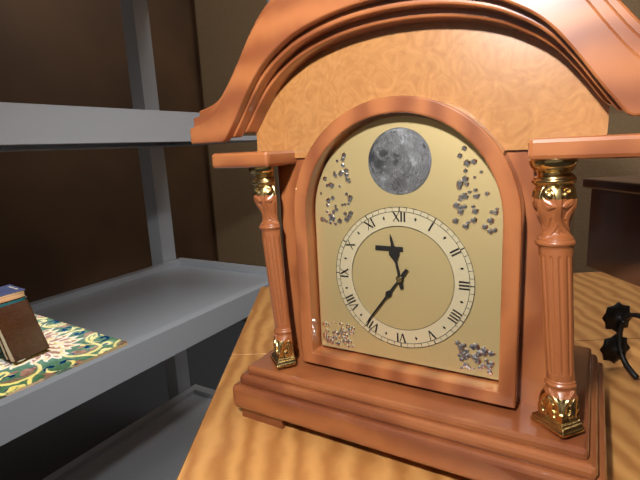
11,36
